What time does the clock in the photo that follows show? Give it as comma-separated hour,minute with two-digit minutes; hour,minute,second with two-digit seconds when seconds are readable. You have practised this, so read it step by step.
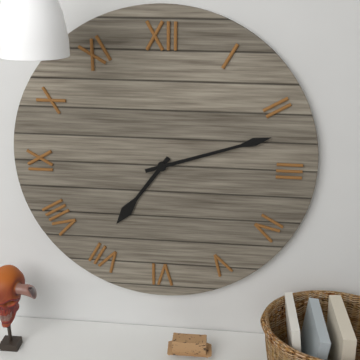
7,12
